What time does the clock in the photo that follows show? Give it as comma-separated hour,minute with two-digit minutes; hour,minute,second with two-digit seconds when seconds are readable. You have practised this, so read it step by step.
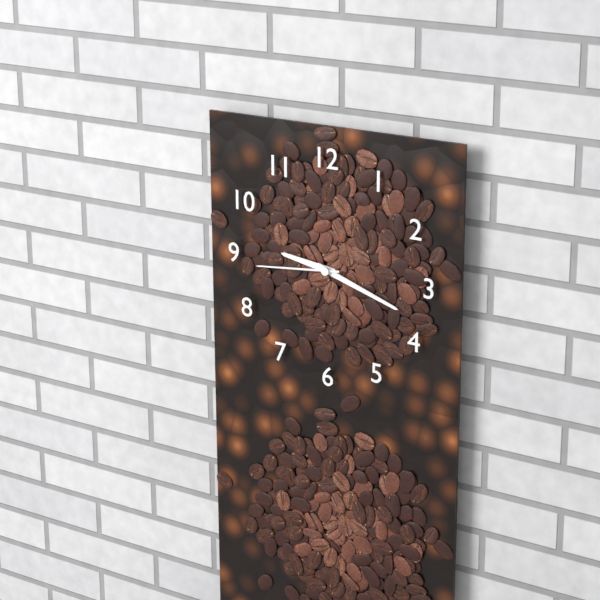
9,18,44
